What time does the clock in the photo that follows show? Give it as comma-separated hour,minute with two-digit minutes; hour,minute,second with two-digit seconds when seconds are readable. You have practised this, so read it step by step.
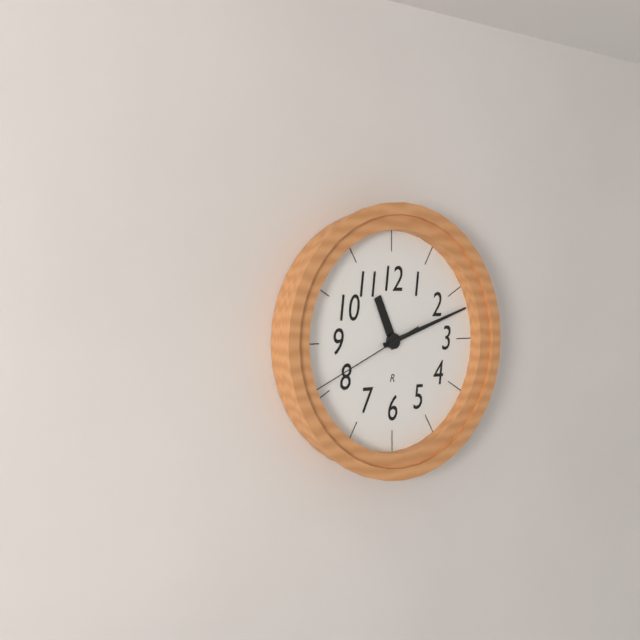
11,12,41
